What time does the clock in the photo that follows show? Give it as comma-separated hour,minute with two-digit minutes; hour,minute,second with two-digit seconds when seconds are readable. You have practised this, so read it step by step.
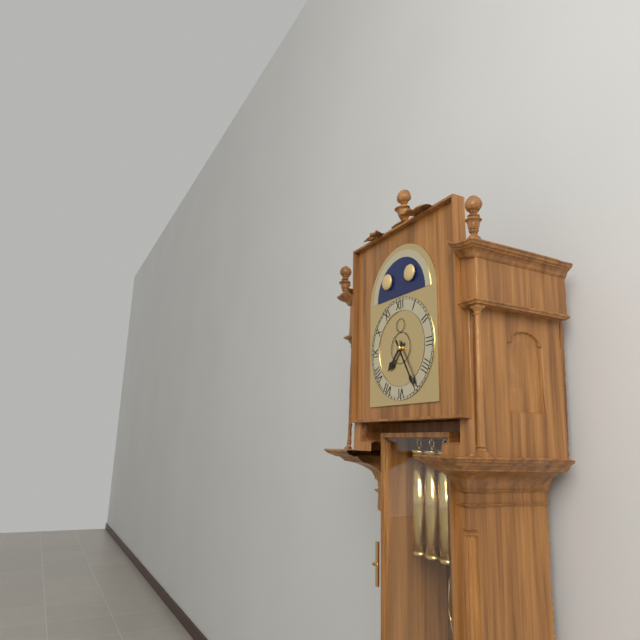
7,25
